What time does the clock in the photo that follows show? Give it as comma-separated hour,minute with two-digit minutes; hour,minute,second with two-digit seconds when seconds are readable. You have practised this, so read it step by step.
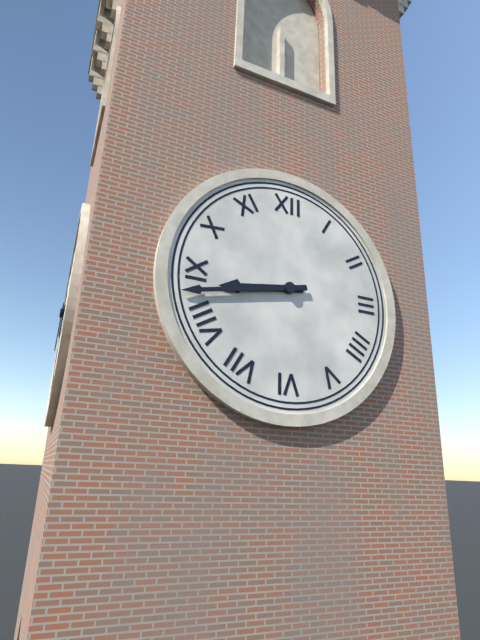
8,43
